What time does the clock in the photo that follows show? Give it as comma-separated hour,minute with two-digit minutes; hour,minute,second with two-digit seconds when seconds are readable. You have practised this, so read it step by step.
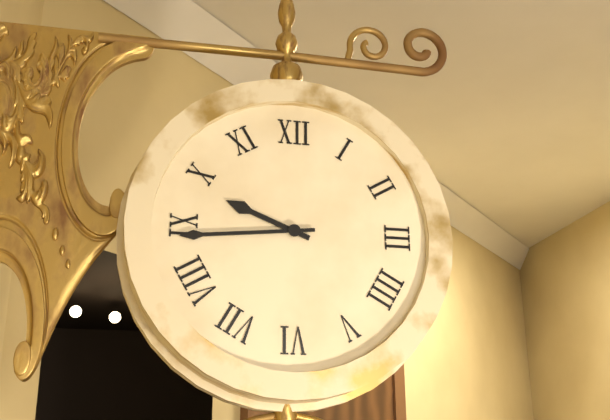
9,44
